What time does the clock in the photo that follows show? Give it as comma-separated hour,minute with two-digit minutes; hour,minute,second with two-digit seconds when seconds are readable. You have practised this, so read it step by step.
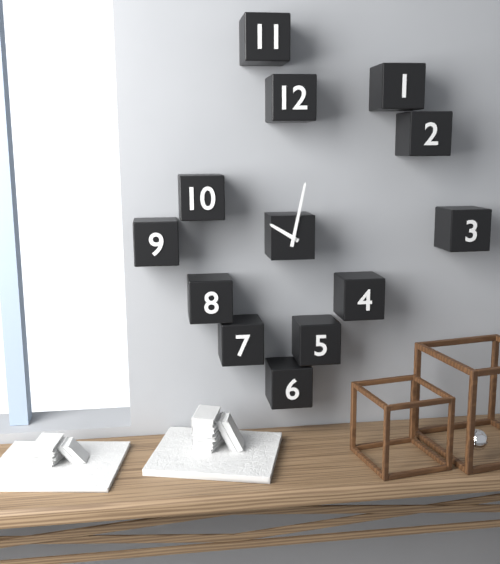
10,02
